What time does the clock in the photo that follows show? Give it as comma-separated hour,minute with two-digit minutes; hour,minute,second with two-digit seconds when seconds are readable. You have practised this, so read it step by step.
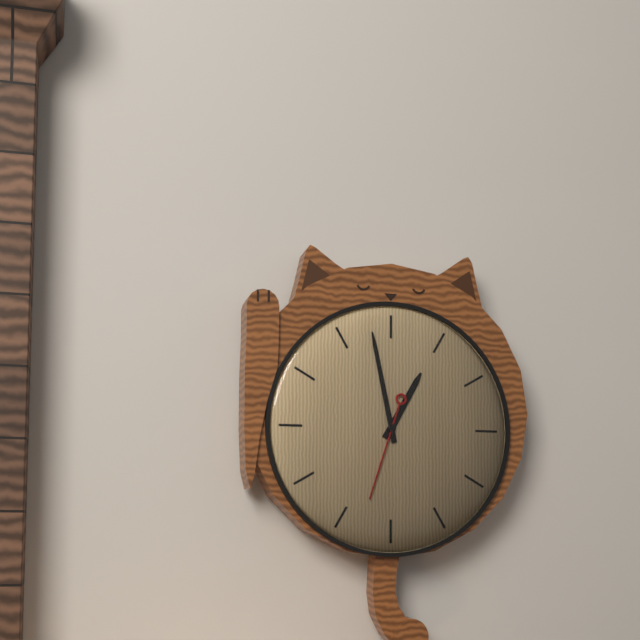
12,58,33
